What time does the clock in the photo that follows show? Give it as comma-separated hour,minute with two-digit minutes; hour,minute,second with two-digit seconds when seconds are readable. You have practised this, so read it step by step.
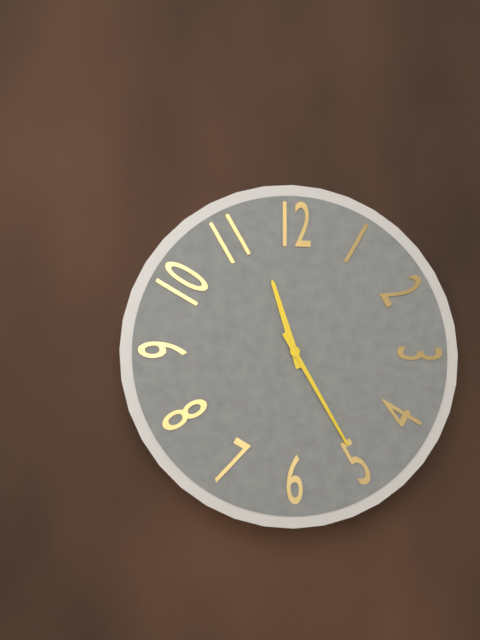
11,25
